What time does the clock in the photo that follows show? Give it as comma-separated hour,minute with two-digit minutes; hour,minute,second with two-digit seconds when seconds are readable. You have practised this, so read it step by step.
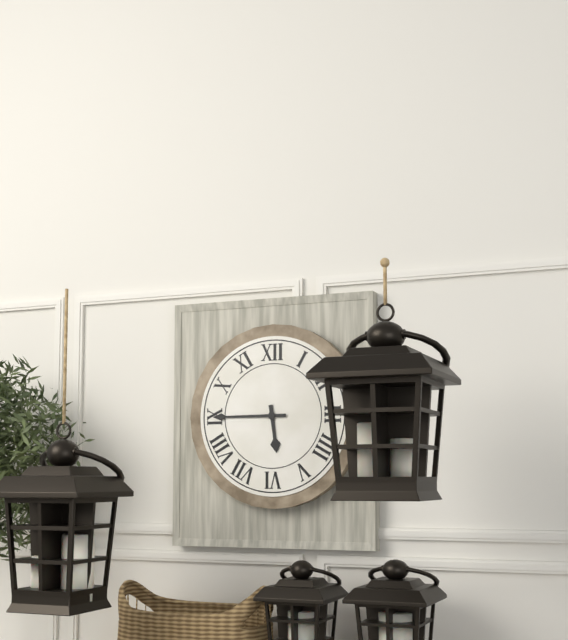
5,45
